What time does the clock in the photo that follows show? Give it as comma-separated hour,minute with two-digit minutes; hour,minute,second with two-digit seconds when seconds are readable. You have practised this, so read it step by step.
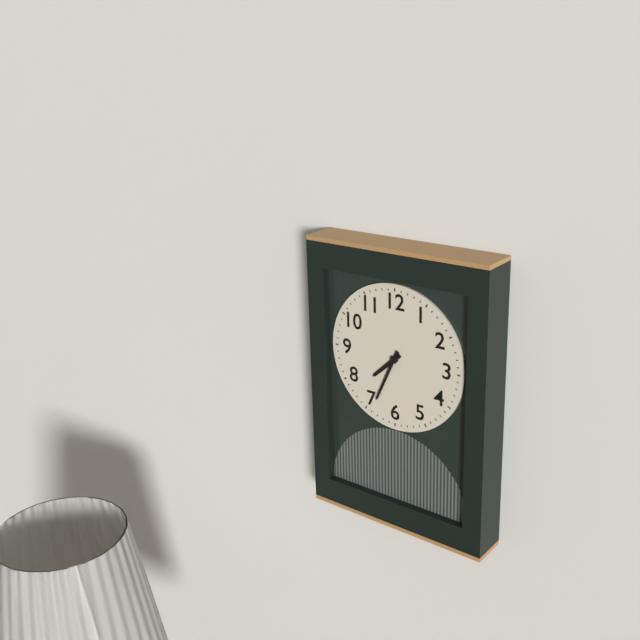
7,34
